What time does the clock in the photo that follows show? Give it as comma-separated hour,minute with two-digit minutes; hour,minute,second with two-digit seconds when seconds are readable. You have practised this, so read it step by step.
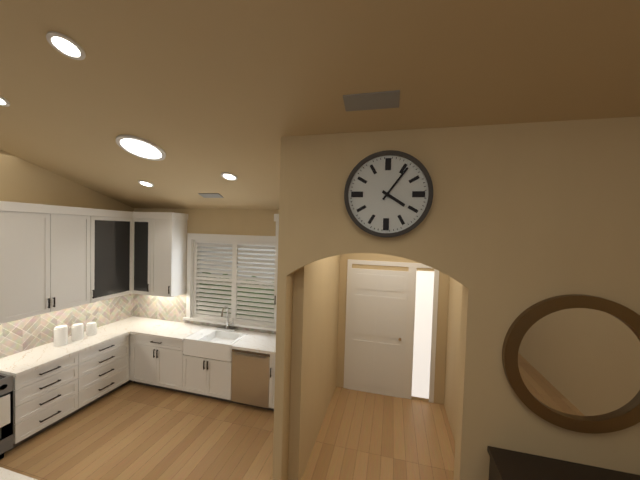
4,06
